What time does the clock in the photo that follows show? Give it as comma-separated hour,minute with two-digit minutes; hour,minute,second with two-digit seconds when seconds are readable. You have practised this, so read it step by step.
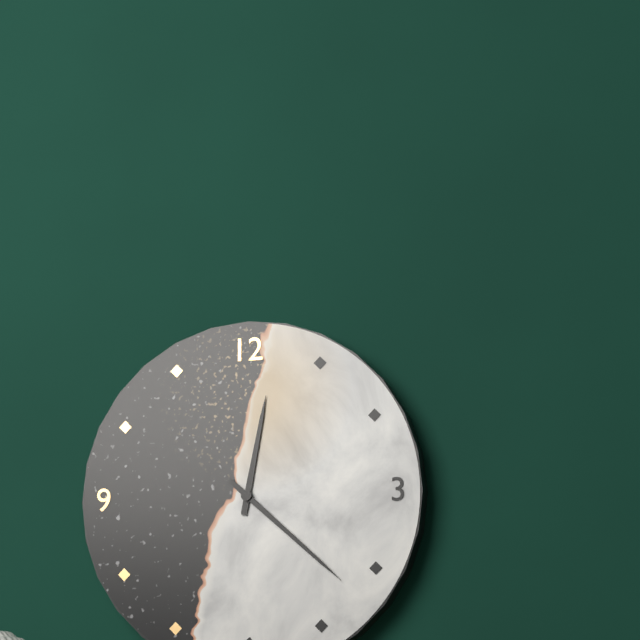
12,22
